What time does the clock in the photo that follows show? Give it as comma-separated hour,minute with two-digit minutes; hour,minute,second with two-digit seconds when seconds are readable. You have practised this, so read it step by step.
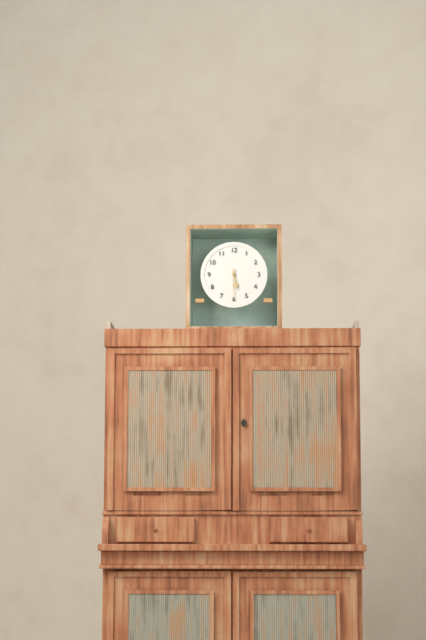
5,30
